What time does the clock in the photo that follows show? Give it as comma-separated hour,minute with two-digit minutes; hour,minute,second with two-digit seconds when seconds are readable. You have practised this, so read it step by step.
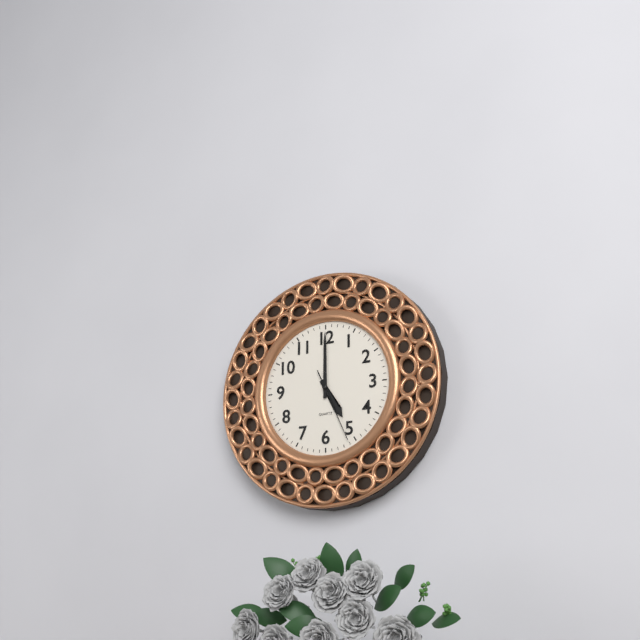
5,00,26
